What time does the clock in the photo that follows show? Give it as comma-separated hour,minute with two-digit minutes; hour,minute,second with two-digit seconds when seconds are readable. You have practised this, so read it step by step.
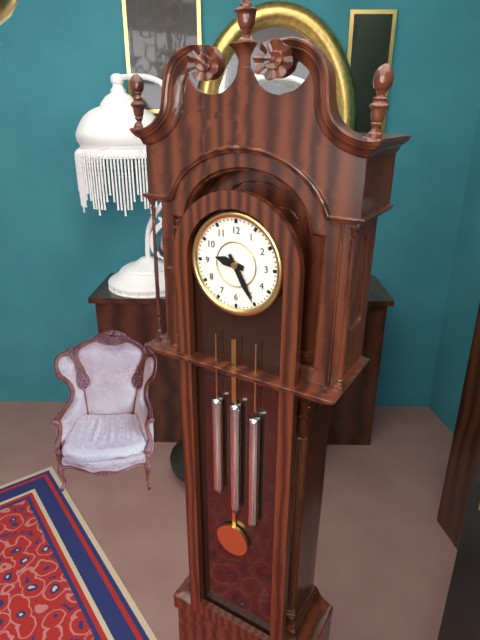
9,25
